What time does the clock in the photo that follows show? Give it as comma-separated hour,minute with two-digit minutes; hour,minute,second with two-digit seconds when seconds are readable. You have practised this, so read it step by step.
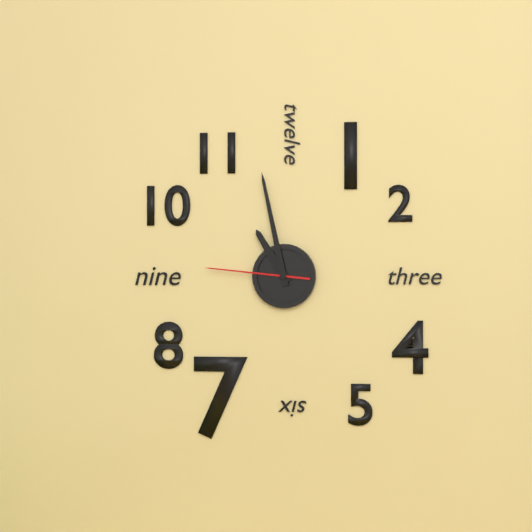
10,58,46
